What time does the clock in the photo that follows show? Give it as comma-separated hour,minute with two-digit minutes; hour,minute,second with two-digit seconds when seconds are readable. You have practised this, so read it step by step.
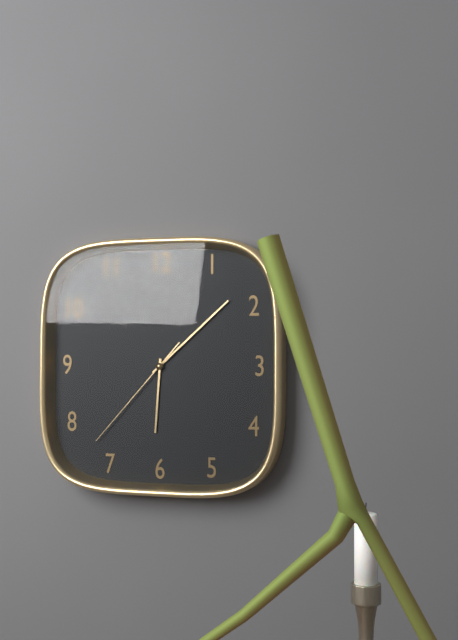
6,08,37
